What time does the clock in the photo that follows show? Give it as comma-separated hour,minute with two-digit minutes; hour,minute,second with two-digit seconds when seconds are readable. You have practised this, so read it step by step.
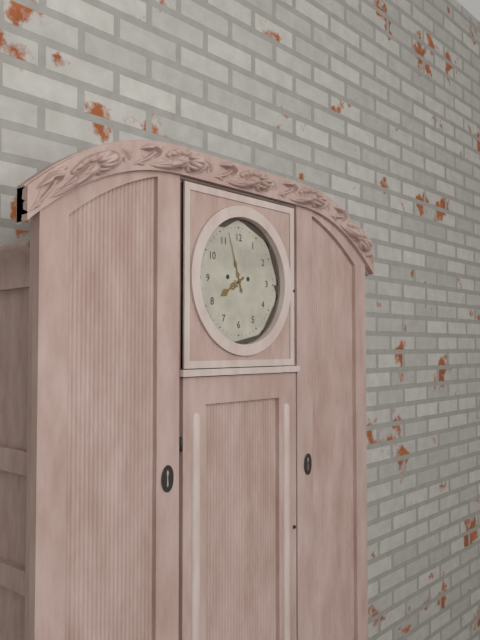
7,57
